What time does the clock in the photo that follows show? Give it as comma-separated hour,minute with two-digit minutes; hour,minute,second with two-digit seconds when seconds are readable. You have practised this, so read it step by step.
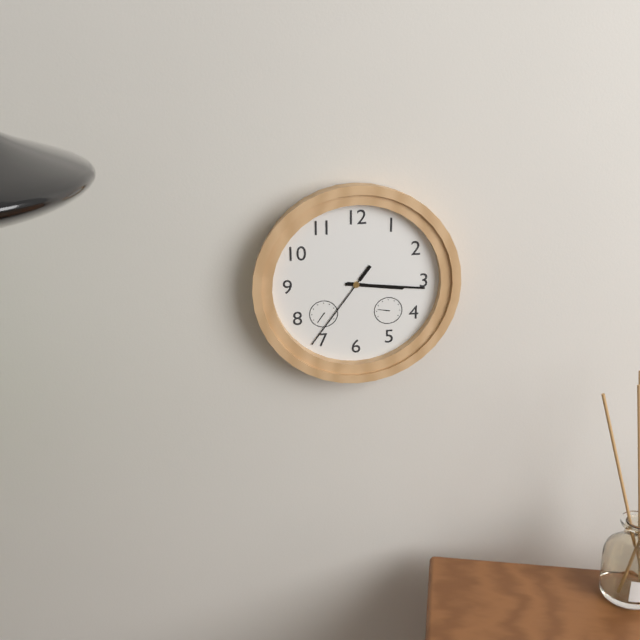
3,16,36
